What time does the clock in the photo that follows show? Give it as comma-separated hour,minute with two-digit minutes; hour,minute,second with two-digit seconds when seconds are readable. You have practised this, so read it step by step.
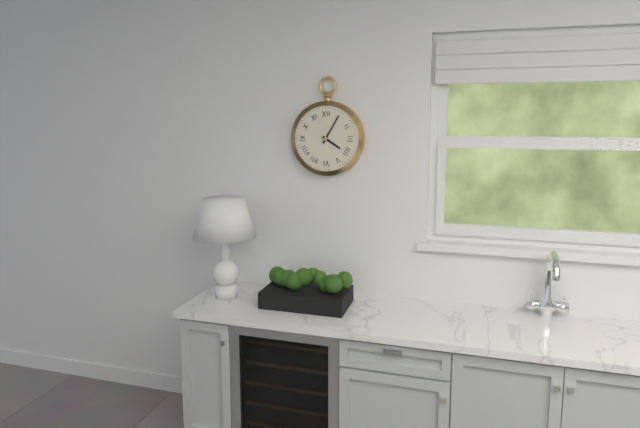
4,05
